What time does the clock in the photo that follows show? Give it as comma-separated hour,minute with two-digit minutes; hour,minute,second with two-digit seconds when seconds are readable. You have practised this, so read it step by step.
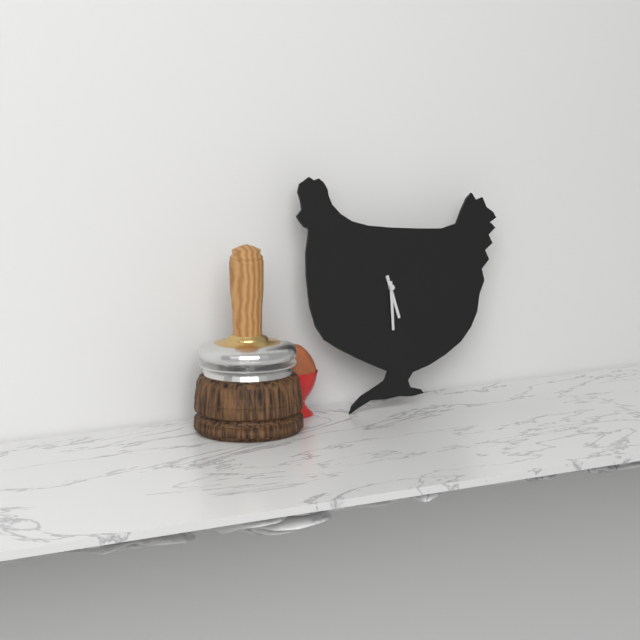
5,30
